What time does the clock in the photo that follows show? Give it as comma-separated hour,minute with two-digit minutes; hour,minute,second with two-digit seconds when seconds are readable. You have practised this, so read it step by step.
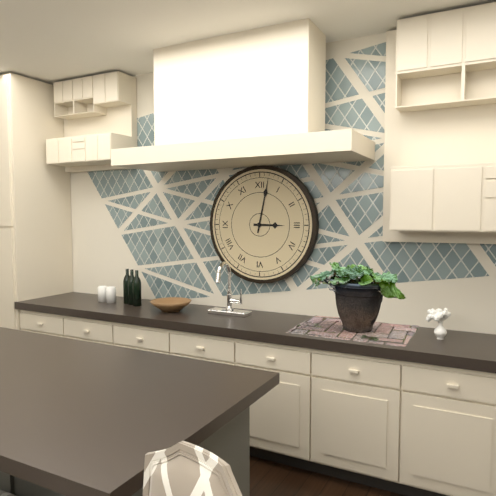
3,02
